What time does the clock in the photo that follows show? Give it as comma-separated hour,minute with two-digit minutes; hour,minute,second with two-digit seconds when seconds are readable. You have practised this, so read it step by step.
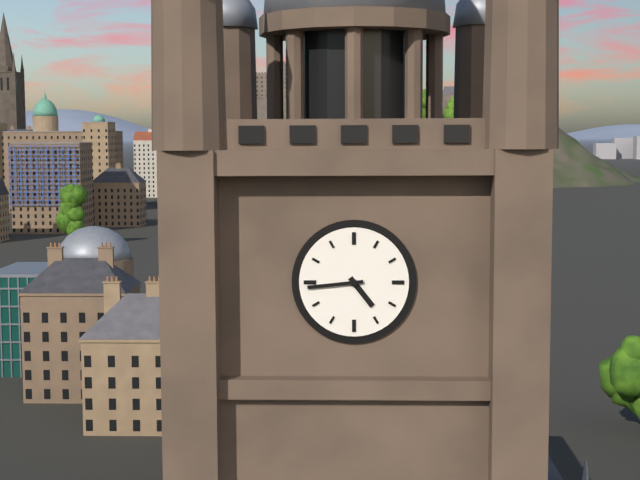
4,44
